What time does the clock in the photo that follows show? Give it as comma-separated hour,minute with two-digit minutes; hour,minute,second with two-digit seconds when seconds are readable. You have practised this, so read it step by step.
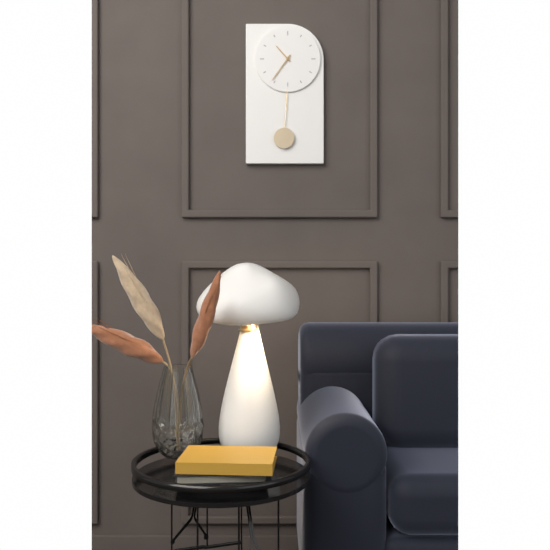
10,36
